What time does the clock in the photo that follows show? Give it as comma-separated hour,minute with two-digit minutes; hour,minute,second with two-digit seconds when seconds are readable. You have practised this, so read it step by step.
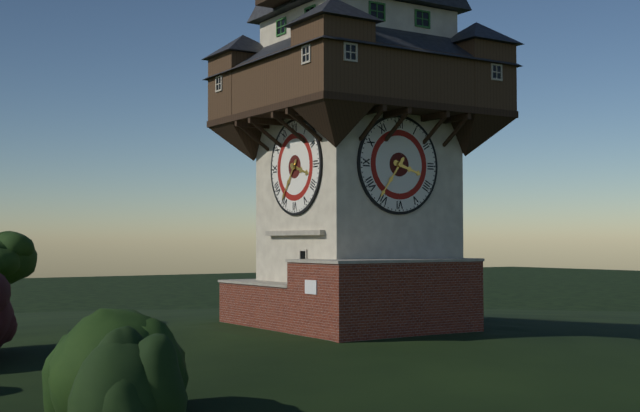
3,36
